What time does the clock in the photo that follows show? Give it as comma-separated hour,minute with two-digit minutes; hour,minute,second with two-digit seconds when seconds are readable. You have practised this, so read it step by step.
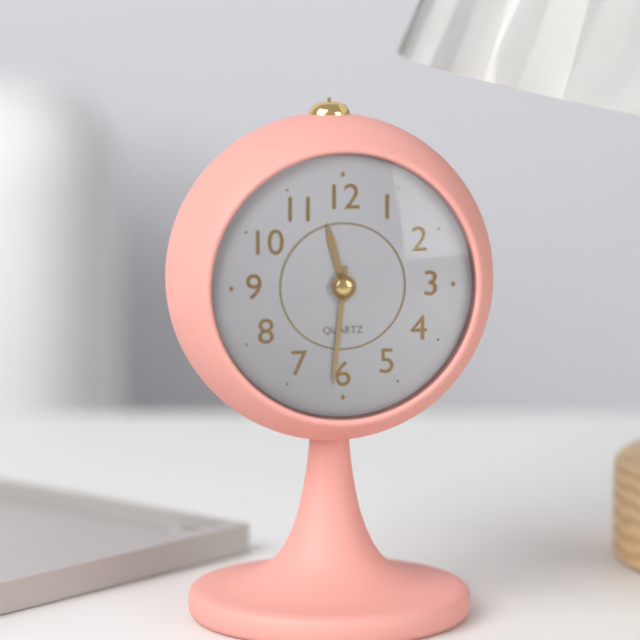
11,31
